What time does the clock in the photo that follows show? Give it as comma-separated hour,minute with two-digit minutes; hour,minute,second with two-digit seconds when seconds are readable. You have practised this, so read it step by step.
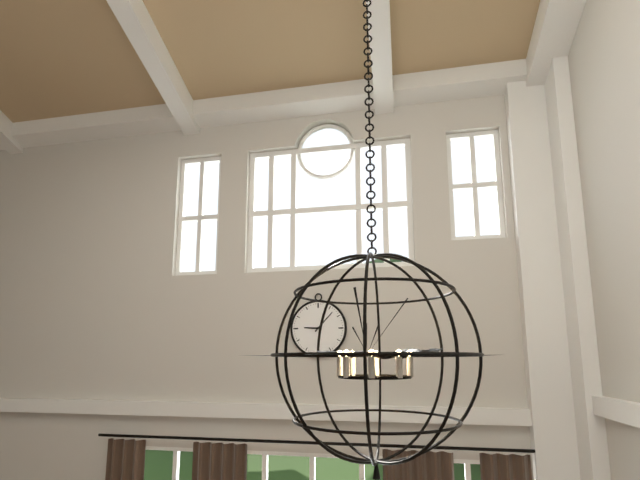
9,07
